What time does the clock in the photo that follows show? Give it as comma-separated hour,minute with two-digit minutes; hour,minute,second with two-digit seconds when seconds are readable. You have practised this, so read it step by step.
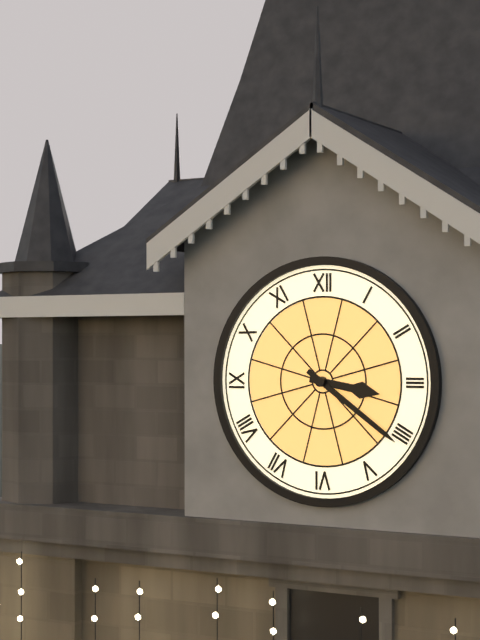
3,21
